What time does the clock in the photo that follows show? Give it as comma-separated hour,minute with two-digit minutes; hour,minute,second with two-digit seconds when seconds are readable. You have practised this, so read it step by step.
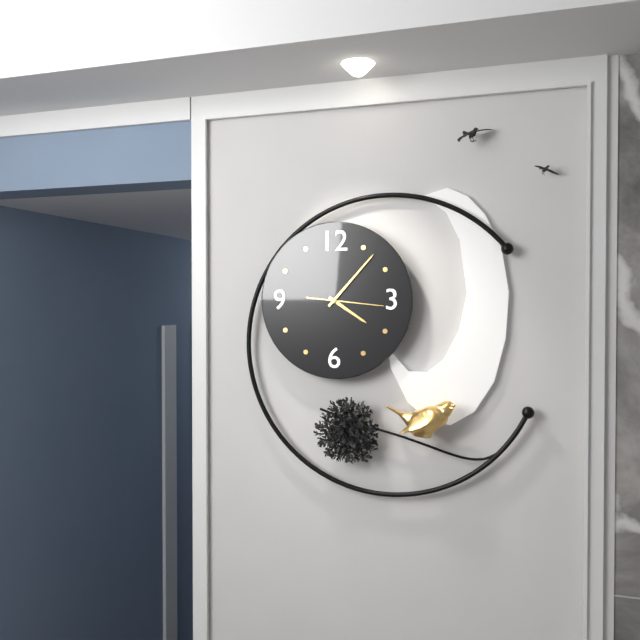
4,07,16
